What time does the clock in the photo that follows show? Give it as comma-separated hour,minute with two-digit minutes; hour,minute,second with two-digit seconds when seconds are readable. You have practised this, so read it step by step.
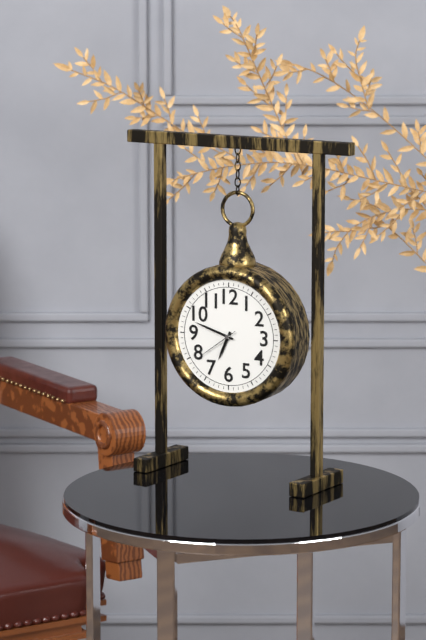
6,48
